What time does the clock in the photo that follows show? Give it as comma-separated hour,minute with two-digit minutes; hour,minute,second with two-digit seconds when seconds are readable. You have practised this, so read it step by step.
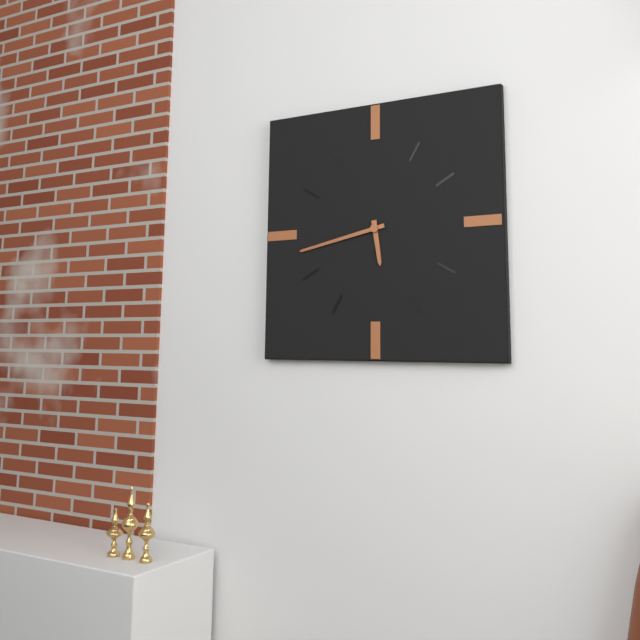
5,43
